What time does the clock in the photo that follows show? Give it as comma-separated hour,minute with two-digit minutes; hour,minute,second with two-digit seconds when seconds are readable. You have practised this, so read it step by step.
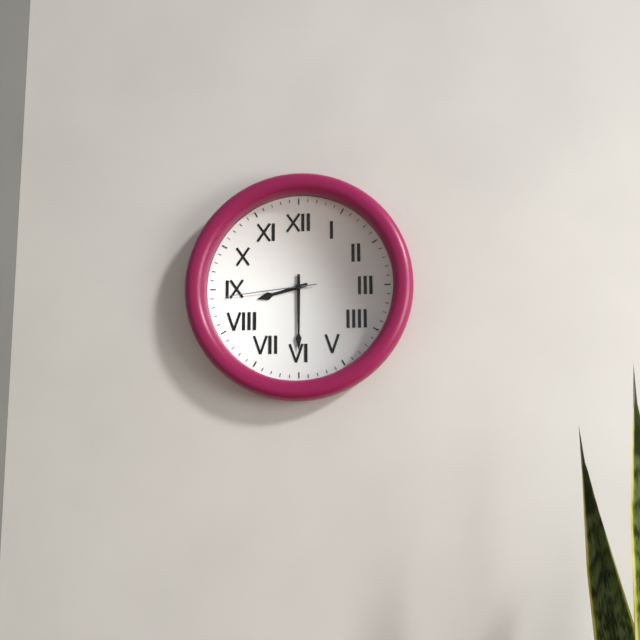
8,30,44
